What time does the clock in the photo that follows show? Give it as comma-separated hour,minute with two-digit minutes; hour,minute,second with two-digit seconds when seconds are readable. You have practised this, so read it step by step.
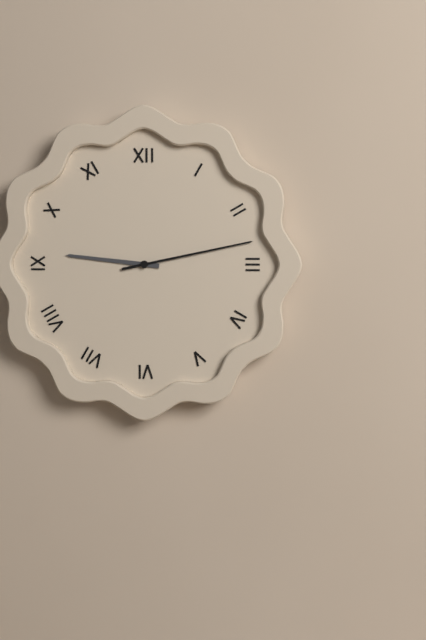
9,13
